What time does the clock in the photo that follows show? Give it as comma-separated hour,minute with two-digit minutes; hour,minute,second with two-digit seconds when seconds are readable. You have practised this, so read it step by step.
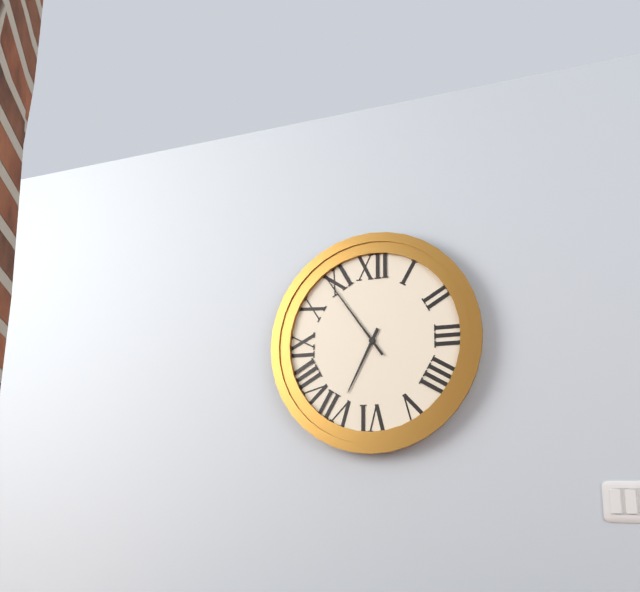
6,54
